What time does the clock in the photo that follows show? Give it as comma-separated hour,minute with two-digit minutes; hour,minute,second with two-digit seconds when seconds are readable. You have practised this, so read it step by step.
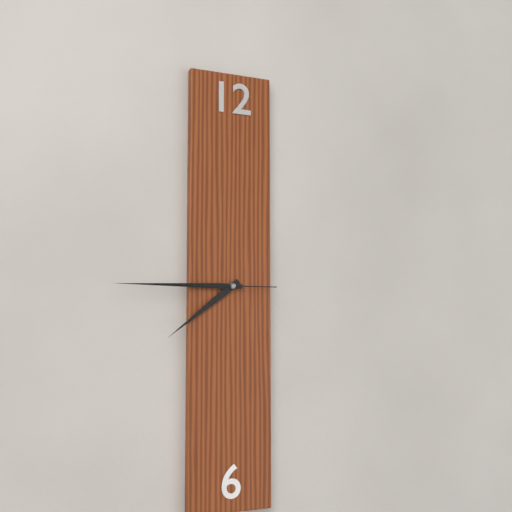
7,45,45
